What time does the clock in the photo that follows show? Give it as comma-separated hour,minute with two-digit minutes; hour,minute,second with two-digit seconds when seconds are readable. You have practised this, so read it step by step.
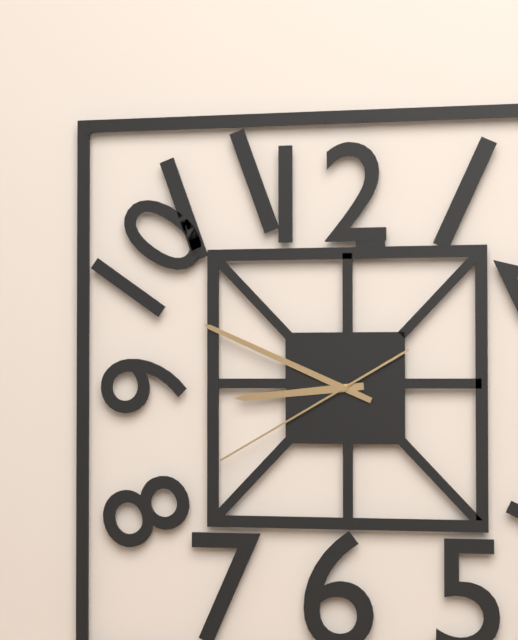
8,49,40
